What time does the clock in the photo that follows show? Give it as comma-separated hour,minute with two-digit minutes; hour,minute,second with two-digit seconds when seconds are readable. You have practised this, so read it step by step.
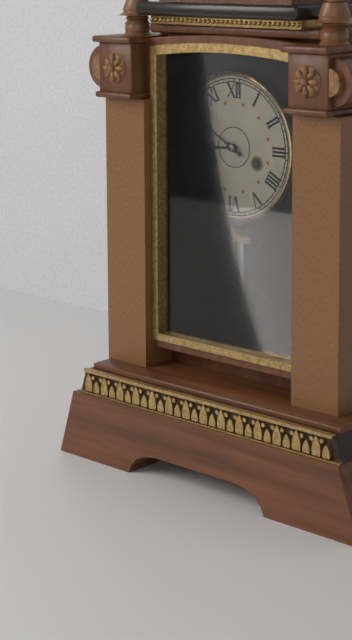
8,50
